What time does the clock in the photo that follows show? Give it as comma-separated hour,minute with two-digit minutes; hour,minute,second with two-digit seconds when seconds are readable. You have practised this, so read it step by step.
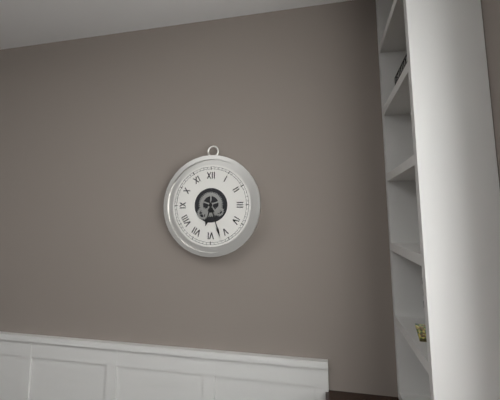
6,27
